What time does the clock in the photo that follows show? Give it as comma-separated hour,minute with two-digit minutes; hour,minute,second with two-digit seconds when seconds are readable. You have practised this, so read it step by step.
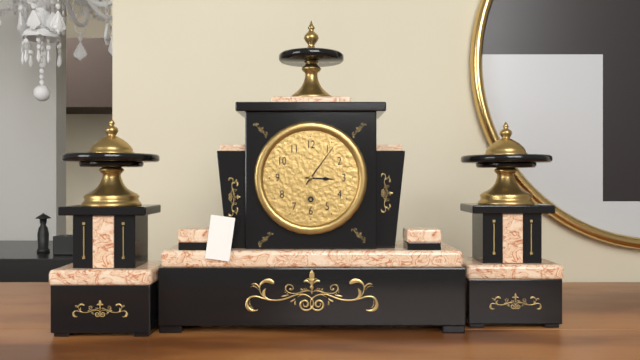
3,06
